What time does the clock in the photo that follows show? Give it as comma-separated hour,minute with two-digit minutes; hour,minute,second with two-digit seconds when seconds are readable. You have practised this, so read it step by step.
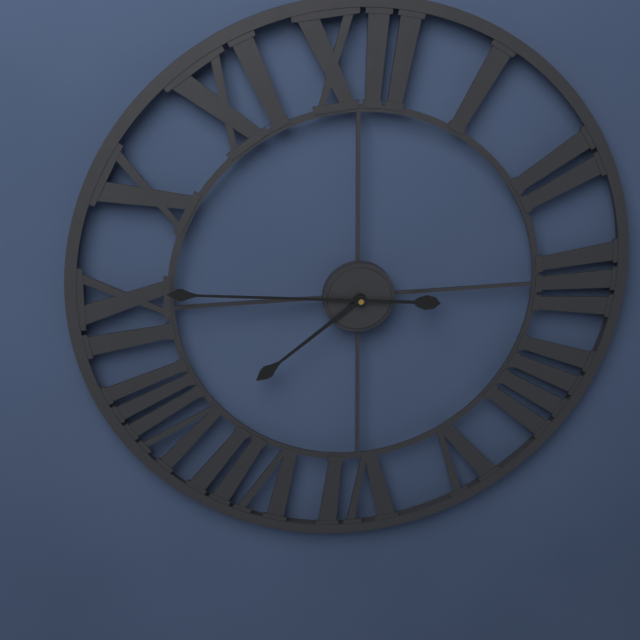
7,46
